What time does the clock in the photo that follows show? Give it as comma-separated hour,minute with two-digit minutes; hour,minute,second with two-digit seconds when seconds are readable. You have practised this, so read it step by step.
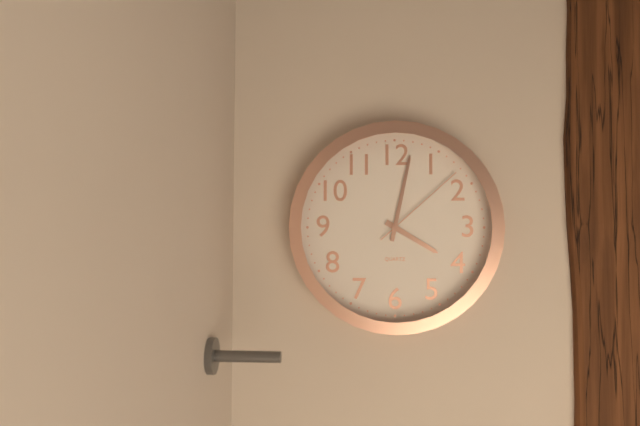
4,02,08
